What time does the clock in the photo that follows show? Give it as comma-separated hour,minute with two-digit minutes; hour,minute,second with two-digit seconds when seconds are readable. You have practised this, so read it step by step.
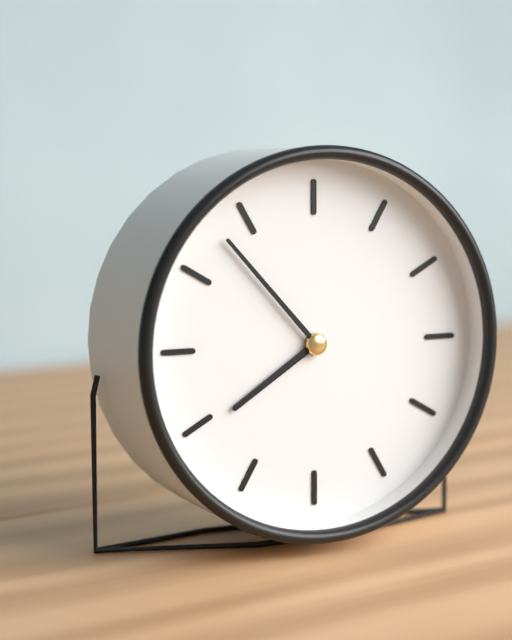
7,53
